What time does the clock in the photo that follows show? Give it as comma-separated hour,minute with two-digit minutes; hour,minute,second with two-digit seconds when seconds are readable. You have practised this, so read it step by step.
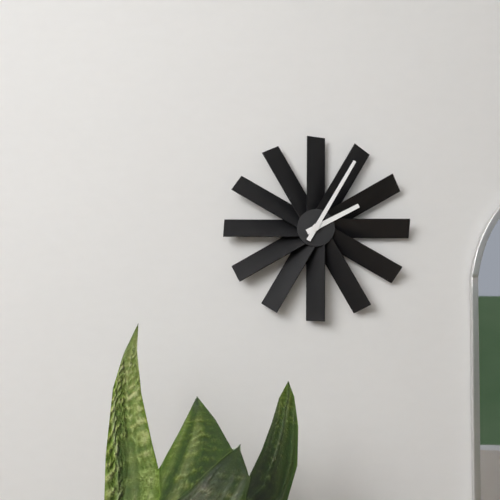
2,05
